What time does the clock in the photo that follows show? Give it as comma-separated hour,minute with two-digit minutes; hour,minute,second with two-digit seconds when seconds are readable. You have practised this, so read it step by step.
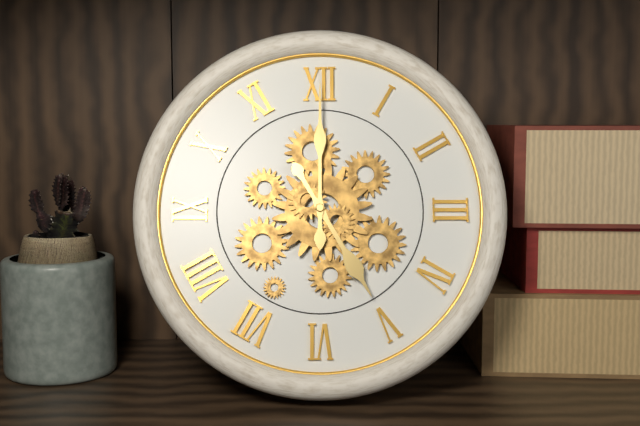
5,00
